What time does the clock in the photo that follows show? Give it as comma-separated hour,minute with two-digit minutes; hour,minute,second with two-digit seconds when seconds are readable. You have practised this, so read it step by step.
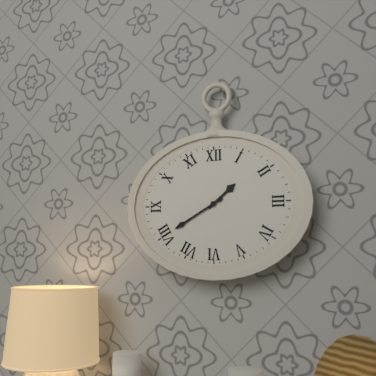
1,40
